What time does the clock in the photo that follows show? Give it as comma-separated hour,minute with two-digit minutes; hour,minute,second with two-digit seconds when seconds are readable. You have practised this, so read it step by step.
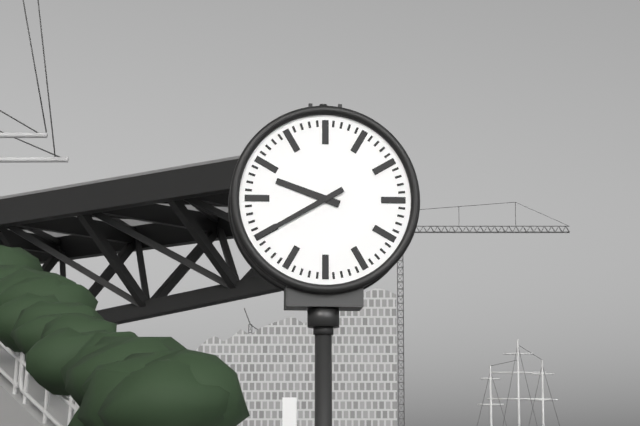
9,40
